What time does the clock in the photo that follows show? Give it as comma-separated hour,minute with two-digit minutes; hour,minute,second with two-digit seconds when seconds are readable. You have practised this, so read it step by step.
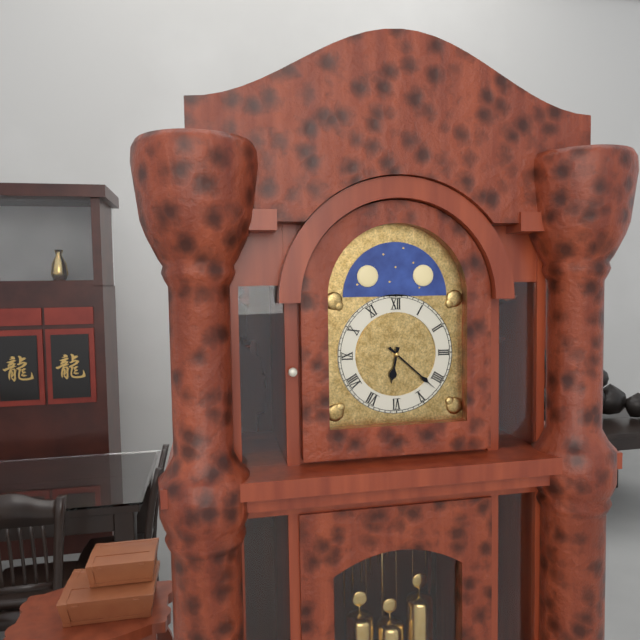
6,22
